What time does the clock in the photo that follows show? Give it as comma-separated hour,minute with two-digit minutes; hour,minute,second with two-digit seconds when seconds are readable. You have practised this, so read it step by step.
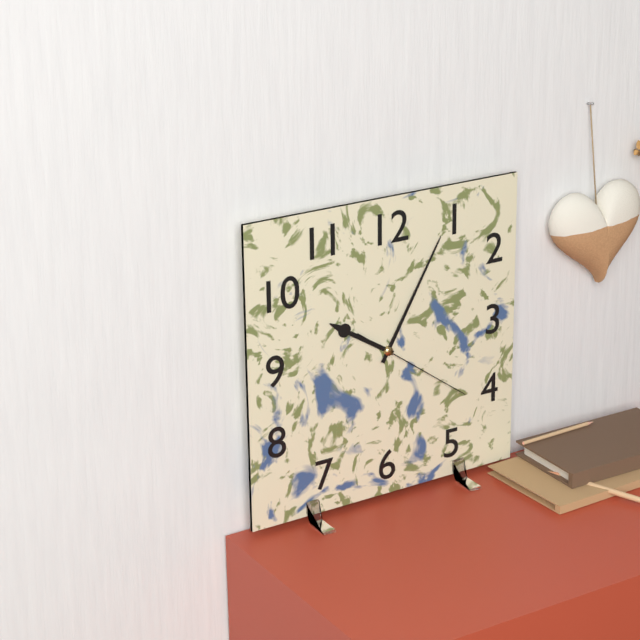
10,05,21
